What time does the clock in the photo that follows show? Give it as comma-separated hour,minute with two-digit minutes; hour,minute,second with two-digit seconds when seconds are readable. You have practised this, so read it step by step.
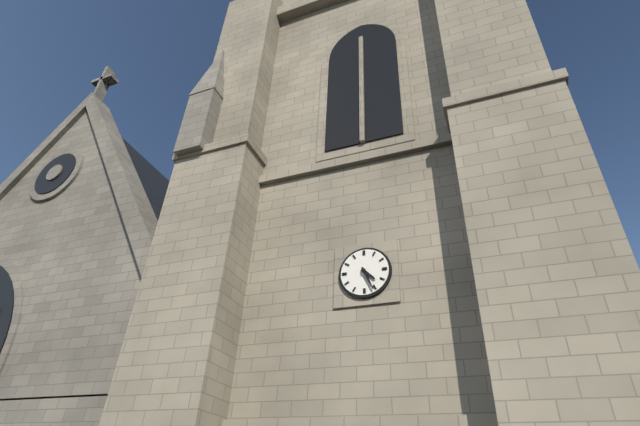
4,26
